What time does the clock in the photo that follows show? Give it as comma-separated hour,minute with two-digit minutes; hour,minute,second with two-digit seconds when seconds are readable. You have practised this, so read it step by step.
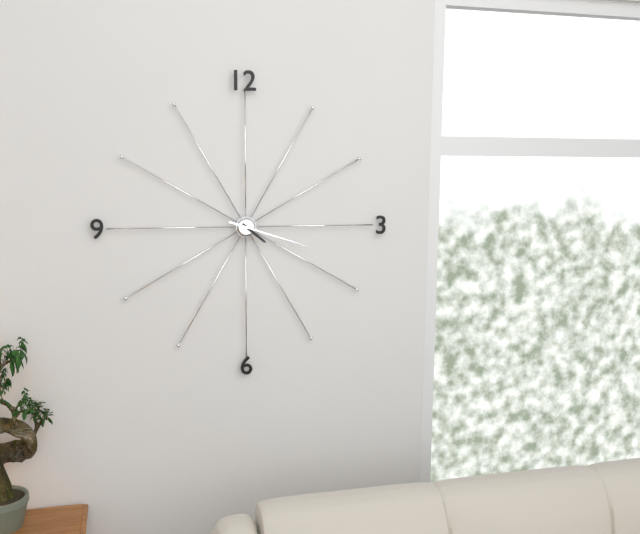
4,18
